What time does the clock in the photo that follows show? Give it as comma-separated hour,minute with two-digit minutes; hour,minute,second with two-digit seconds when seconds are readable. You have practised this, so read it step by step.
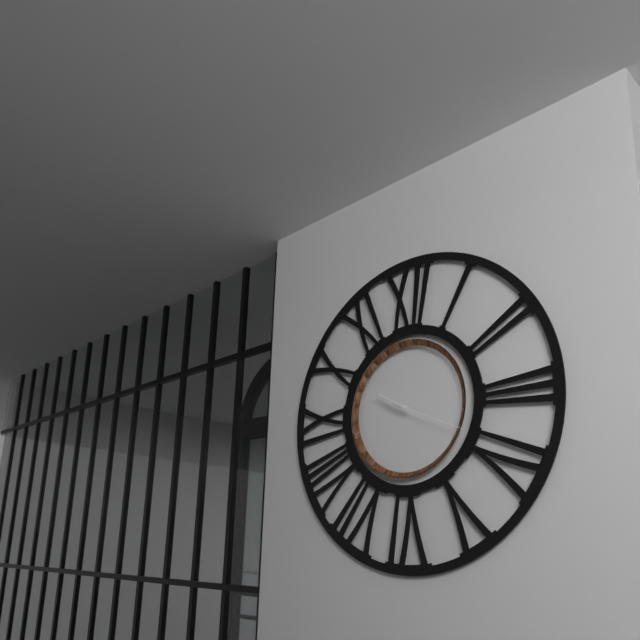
9,50,19
